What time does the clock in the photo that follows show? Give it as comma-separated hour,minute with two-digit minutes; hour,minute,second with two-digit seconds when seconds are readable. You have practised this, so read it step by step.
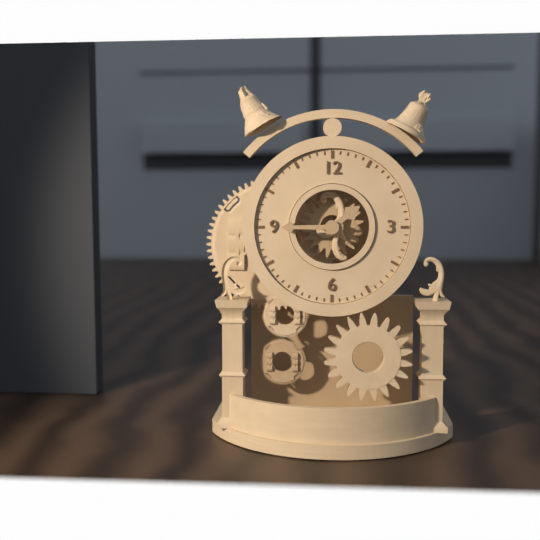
1,45
